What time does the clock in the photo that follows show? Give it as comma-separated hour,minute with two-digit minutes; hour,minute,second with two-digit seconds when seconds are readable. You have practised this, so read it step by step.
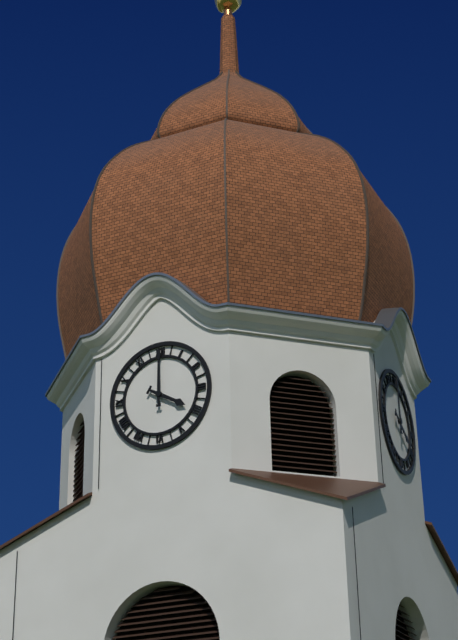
4,00
